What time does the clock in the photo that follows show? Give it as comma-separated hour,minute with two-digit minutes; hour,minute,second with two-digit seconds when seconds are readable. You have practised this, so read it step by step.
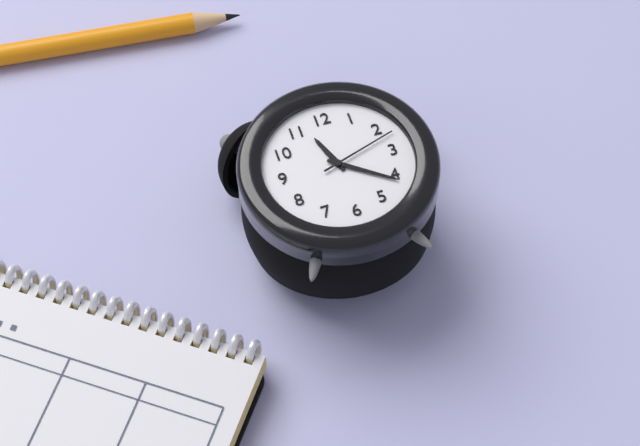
11,21,12
